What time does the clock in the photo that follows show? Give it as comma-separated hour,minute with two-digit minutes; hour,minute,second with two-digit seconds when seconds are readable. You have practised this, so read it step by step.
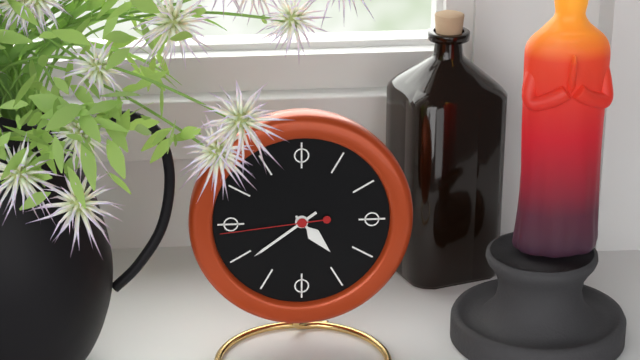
4,39,44
